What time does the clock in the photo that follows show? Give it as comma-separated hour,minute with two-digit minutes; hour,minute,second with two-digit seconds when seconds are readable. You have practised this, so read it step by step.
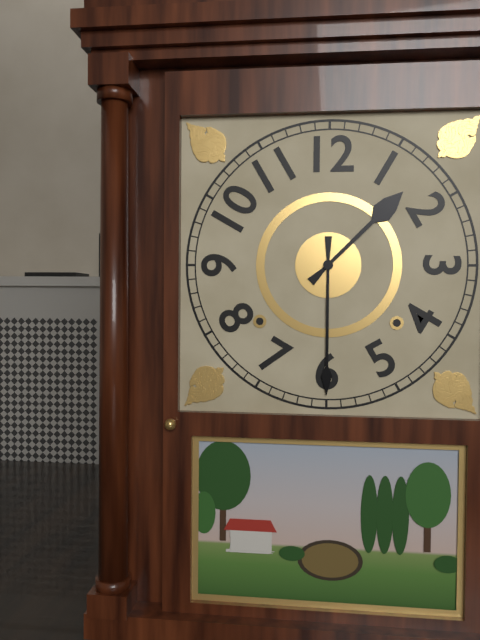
1,30
